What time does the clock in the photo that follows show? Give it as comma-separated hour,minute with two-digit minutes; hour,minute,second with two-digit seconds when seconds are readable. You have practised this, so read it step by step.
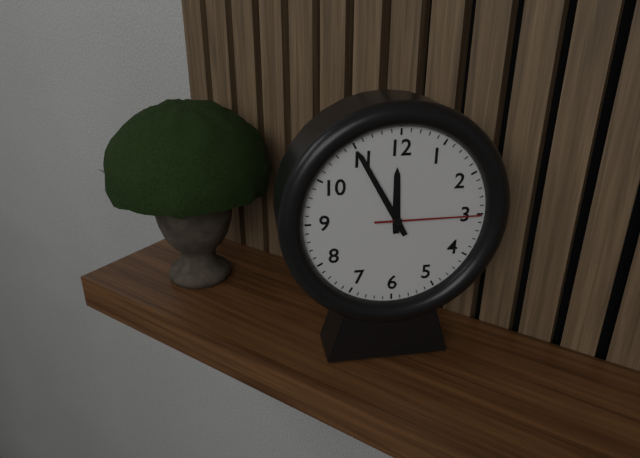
11,55,15
